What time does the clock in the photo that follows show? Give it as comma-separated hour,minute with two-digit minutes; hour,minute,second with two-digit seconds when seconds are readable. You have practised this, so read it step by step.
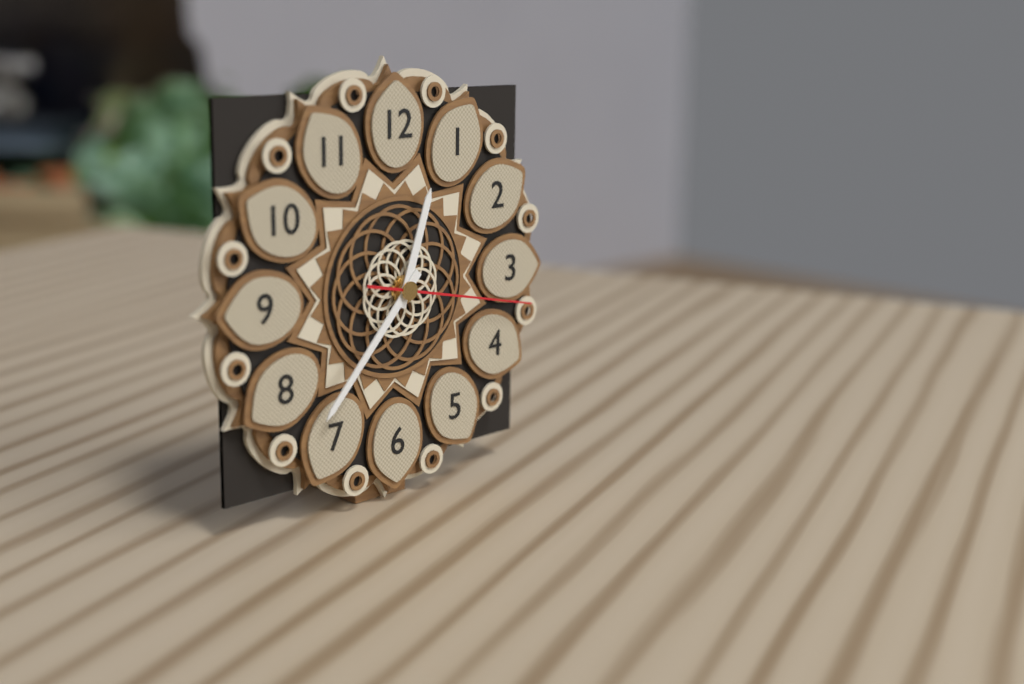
12,37,17
